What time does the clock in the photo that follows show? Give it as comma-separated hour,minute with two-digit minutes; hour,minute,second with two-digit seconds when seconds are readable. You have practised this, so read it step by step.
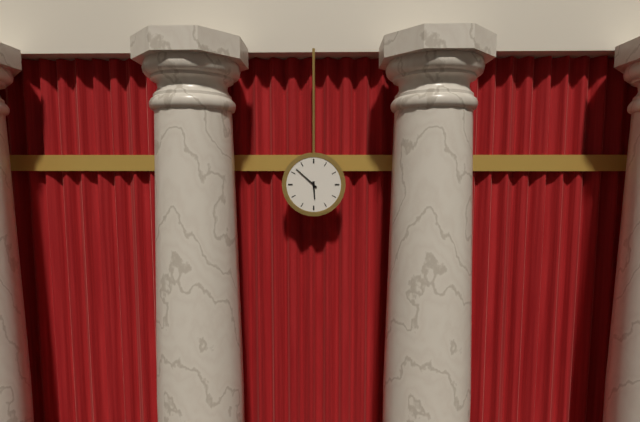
5,52
